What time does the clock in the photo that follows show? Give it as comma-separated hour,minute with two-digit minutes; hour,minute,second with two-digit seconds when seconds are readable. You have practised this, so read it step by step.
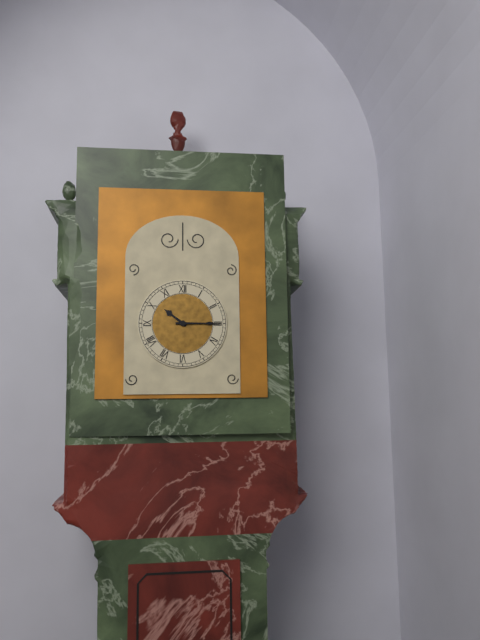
10,15
